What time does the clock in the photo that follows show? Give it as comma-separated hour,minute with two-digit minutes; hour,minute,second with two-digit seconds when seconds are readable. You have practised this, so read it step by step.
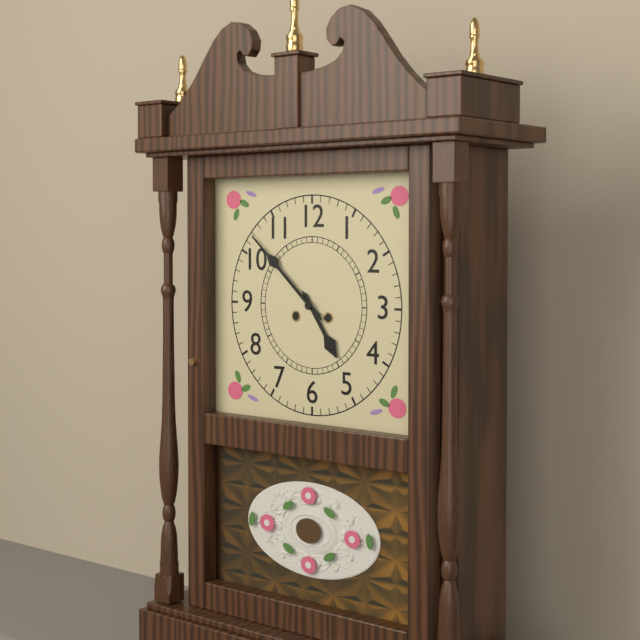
4,52
